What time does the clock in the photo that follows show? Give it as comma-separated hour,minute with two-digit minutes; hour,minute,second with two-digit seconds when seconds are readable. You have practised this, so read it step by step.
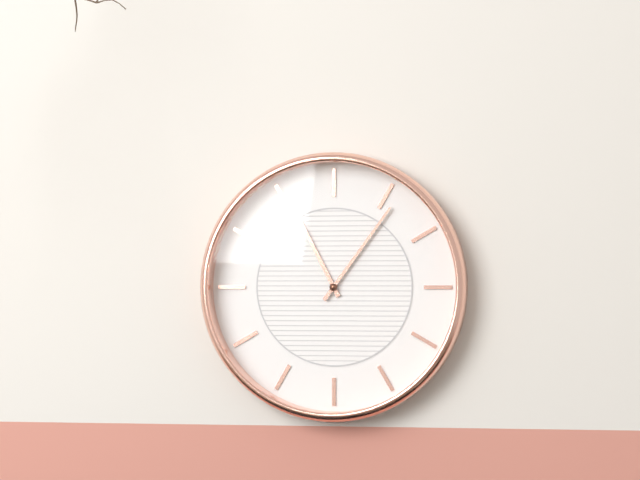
11,06
